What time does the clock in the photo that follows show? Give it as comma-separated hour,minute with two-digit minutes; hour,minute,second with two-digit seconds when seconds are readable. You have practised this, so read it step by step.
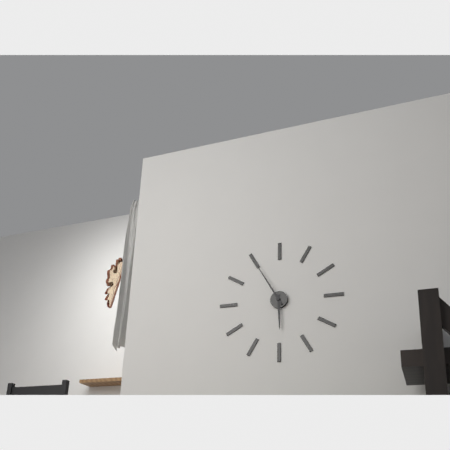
5,55
